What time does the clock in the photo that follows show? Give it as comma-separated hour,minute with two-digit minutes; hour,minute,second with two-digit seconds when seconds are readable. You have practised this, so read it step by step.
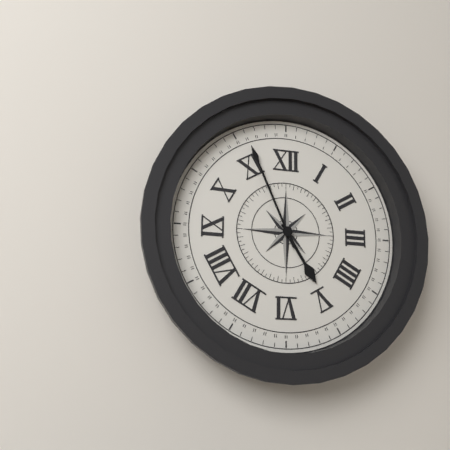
4,56
